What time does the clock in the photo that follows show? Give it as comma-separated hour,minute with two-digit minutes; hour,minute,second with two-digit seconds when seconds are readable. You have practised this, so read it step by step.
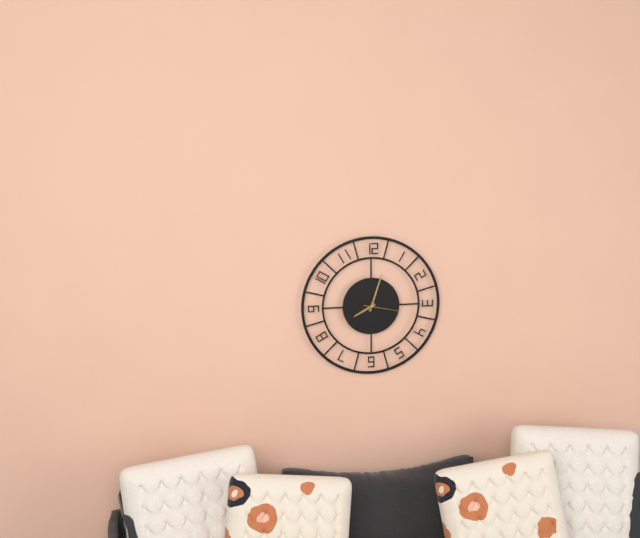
8,03
